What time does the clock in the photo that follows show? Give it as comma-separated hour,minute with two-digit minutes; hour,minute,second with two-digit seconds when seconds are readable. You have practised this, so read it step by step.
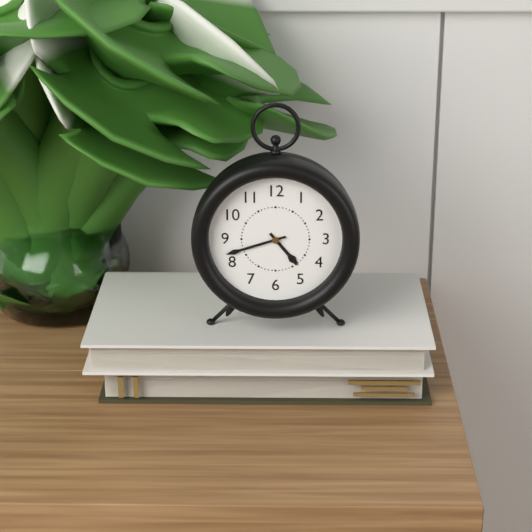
4,42
